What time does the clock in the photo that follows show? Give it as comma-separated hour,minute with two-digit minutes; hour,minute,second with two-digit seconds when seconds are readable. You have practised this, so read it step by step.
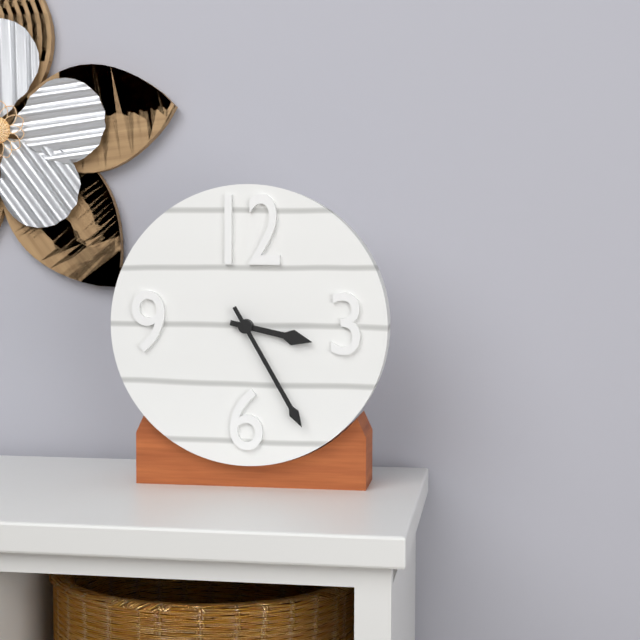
3,25
